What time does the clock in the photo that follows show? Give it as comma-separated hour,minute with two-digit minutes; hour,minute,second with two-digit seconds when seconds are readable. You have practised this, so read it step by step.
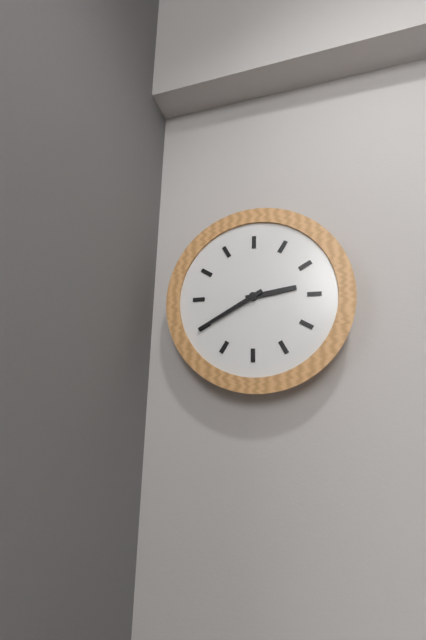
2,40
